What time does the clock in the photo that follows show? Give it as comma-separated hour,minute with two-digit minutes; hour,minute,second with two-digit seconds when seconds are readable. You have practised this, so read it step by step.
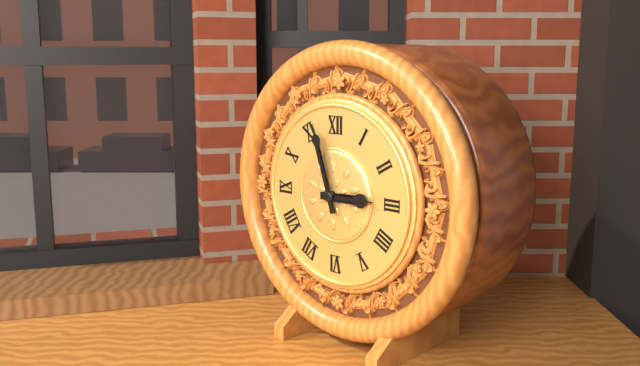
2,57
